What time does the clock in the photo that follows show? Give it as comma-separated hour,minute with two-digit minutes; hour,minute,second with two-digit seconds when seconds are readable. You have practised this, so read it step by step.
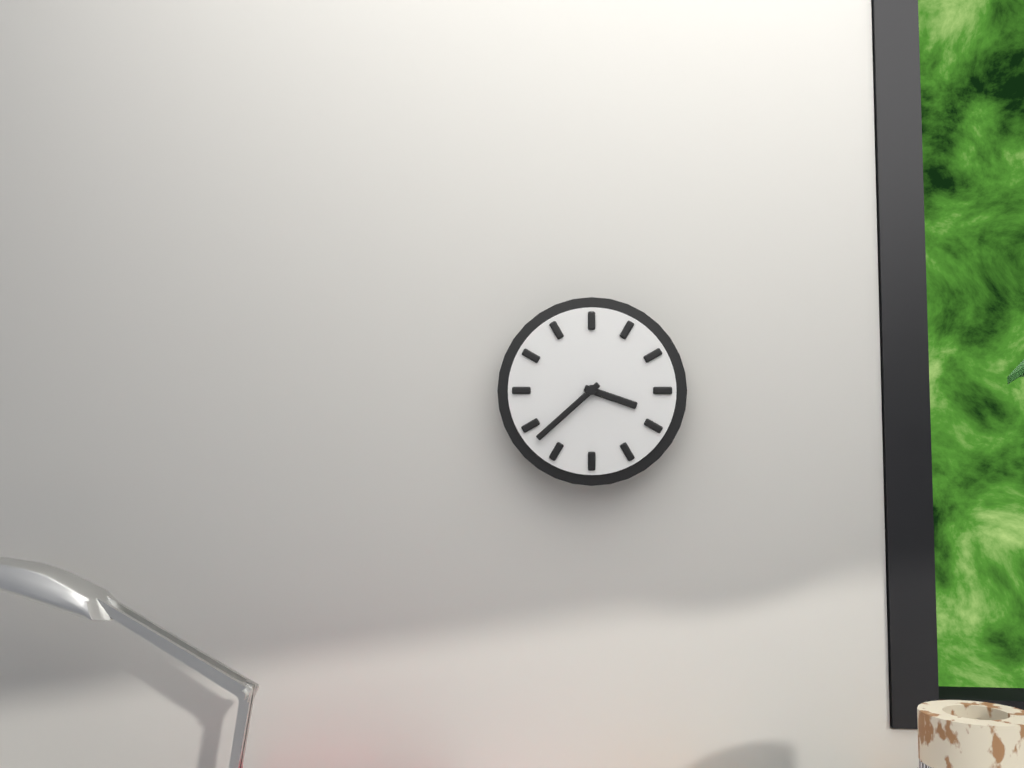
3,38
